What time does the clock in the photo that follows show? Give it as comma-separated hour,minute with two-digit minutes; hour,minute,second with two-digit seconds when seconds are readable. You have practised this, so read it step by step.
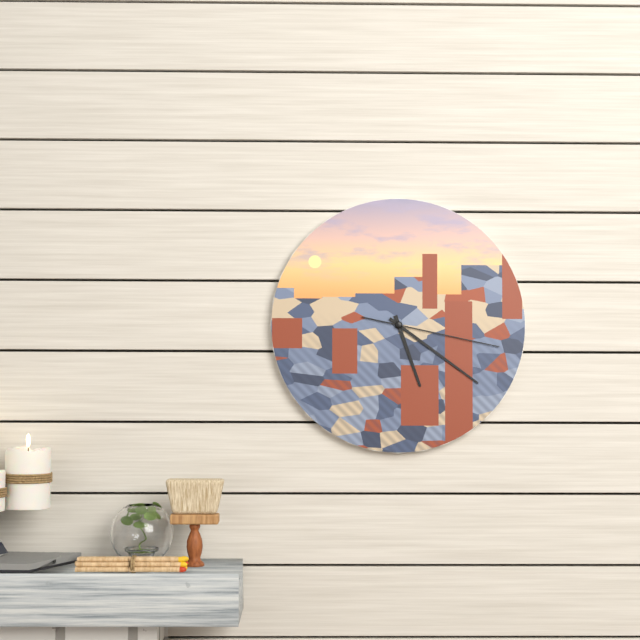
5,21,17
